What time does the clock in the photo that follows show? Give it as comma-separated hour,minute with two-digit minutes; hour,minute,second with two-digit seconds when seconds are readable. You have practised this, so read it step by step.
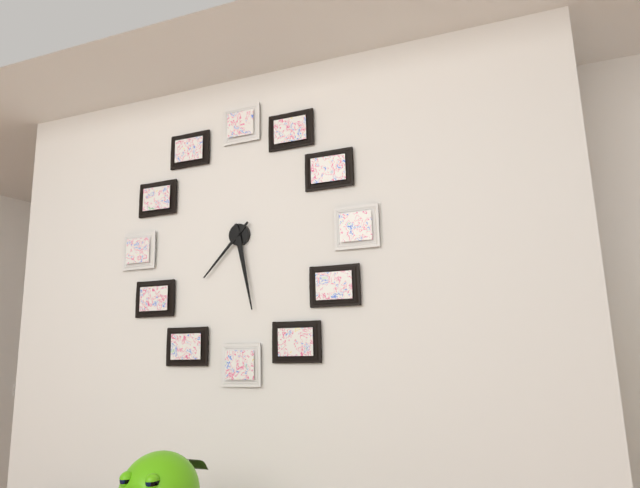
7,28
